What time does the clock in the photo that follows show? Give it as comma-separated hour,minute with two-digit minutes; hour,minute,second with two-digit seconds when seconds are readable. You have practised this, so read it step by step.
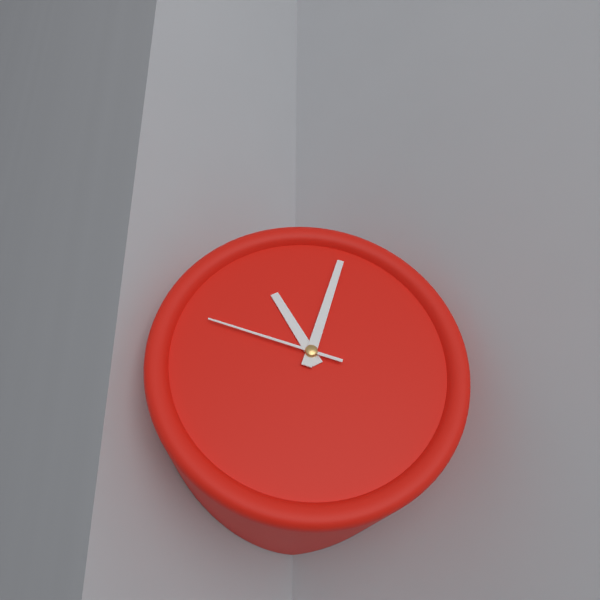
11,03,48
